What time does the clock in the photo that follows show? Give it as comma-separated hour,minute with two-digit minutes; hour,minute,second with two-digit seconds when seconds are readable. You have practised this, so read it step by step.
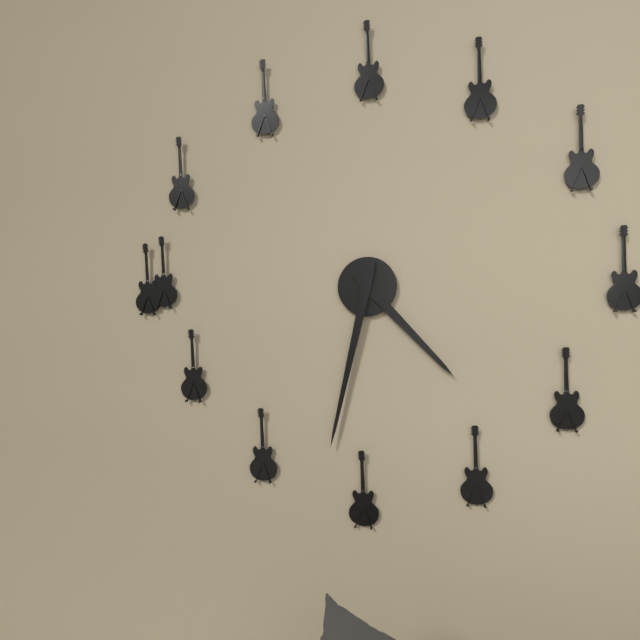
4,32
